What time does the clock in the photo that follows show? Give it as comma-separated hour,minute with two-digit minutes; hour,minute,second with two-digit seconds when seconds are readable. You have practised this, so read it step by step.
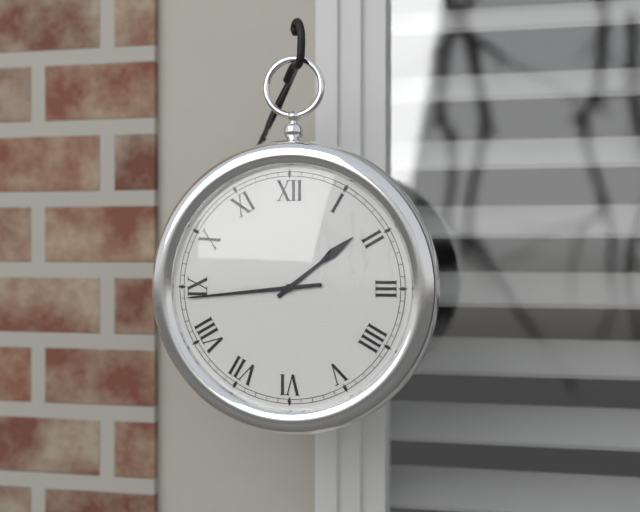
1,44
